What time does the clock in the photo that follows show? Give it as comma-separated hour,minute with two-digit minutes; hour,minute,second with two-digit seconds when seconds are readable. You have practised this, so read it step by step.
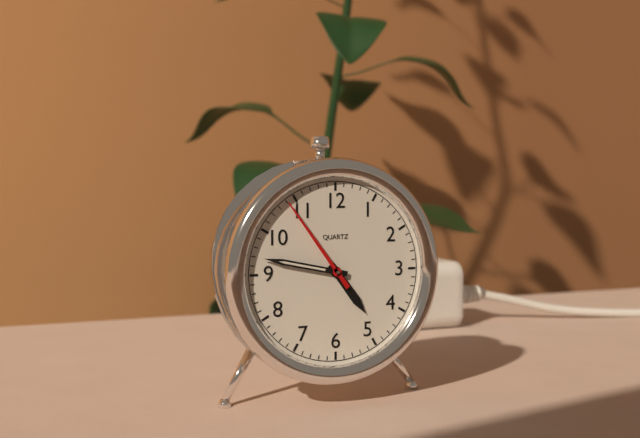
4,47,54
